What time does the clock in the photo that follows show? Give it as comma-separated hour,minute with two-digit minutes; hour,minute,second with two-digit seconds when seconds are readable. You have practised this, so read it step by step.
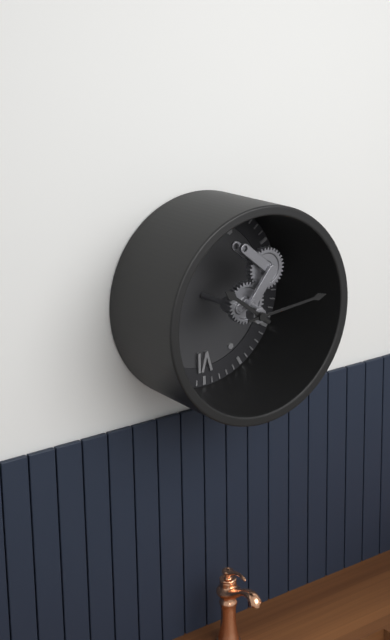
10,14
